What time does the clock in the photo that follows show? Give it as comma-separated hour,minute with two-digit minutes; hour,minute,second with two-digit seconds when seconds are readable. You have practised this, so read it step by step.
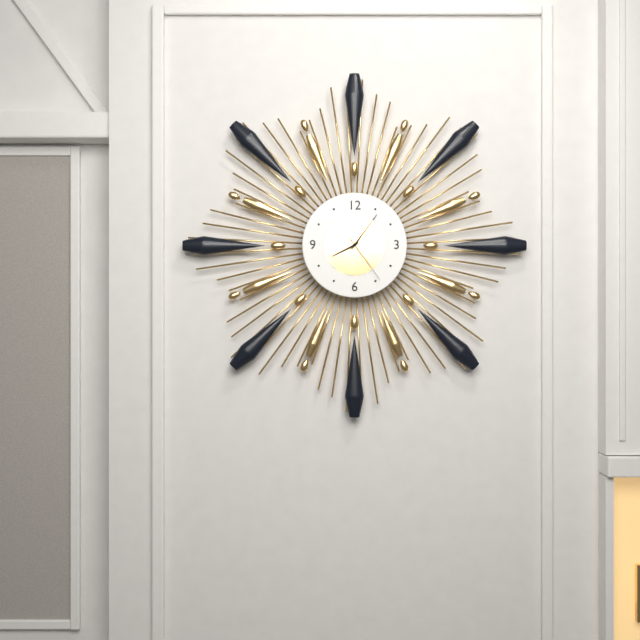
8,06,24
